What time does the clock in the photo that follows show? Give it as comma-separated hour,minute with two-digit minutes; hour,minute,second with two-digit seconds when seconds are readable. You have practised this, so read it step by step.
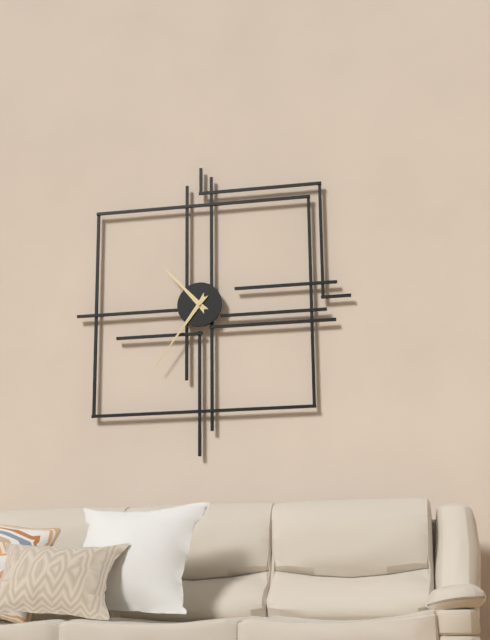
10,36
